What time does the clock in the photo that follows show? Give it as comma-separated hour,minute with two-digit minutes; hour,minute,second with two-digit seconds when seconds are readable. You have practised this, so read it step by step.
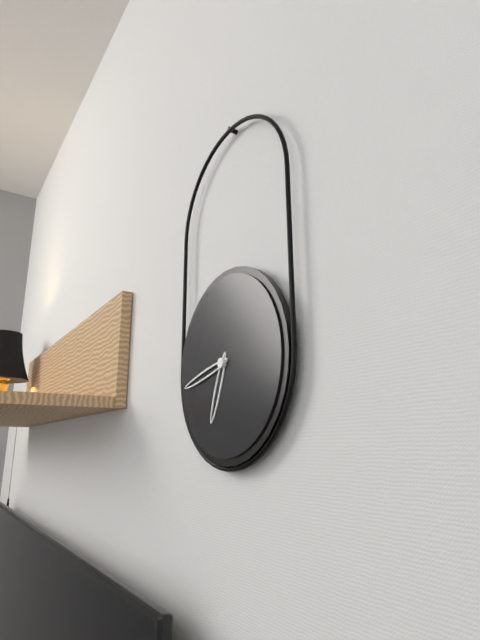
6,43
